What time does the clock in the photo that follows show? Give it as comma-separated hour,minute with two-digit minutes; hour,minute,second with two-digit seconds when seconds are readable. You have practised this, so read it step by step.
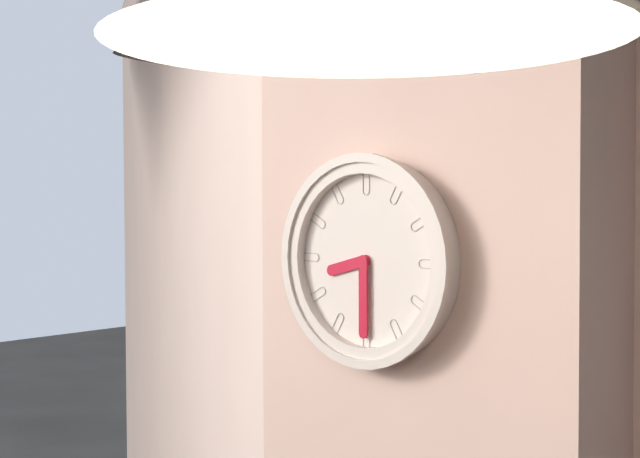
8,30
